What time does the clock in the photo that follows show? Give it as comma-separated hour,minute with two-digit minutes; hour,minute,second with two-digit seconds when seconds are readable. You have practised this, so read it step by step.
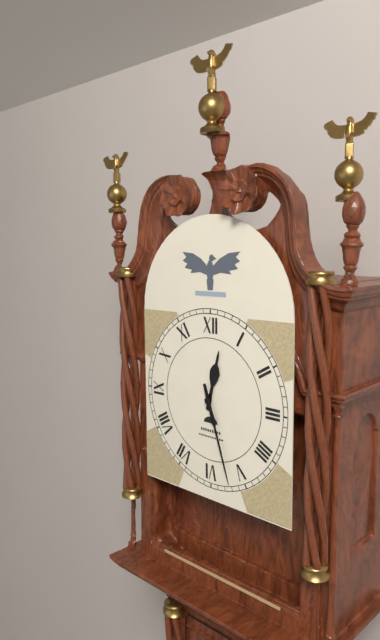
12,27
